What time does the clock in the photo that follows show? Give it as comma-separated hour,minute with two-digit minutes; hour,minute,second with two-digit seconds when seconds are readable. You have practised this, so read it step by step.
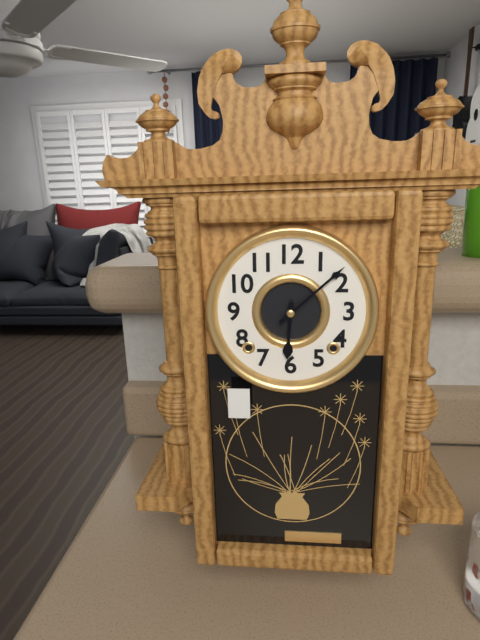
6,08
